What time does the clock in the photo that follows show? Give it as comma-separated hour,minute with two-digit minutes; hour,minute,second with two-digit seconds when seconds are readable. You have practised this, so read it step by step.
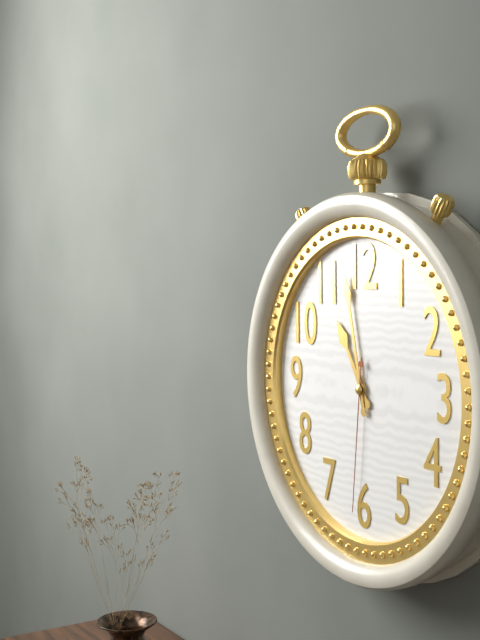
10,58,31
